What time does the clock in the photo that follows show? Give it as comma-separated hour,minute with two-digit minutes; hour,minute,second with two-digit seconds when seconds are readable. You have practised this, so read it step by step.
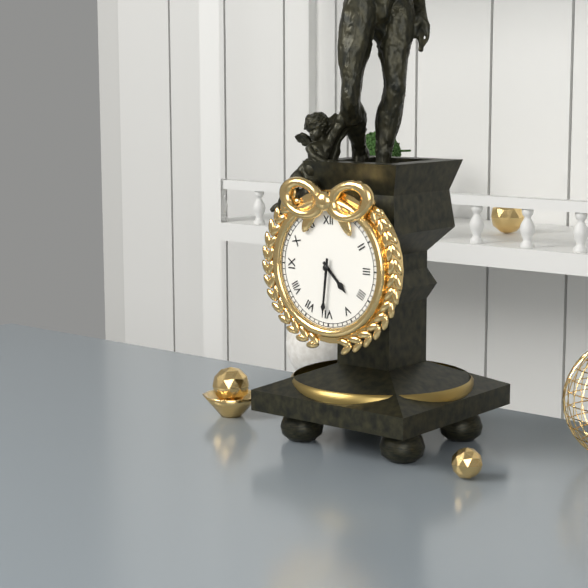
4,31
